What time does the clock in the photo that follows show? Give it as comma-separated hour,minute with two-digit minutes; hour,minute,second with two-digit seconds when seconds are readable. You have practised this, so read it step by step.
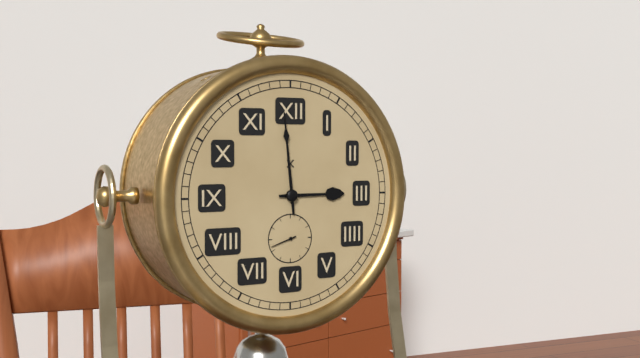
2,59
